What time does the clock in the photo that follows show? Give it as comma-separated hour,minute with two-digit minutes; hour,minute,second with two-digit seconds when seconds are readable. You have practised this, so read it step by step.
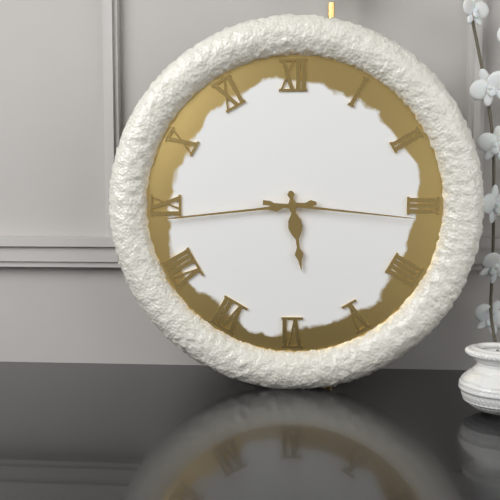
5,44,16
